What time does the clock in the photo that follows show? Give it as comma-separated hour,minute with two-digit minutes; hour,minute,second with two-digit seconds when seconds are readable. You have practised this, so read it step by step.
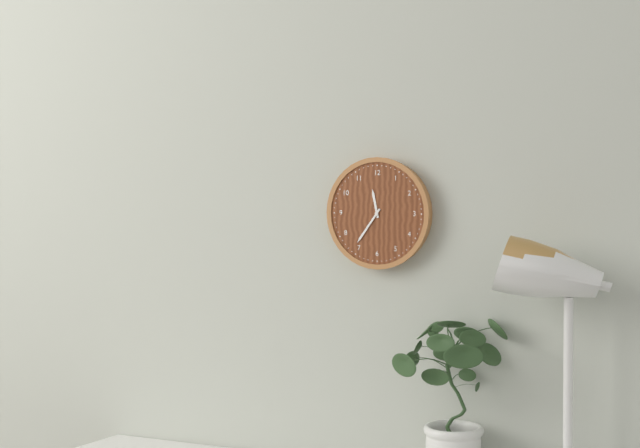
11,36
